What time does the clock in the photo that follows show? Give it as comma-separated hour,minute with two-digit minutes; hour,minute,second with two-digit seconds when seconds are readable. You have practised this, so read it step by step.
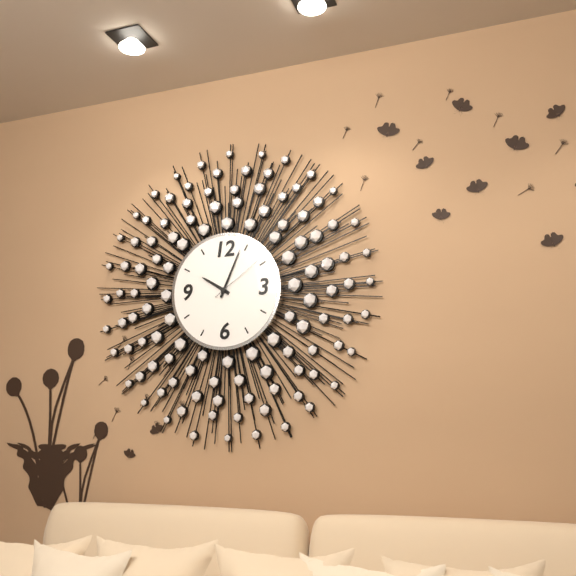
10,04,09
